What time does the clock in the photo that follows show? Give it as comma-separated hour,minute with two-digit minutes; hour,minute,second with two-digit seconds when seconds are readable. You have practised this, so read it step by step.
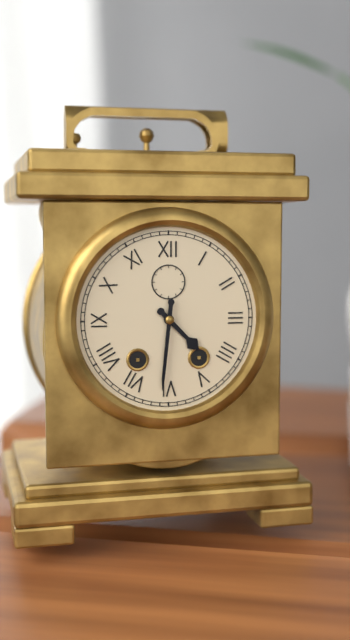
4,31
